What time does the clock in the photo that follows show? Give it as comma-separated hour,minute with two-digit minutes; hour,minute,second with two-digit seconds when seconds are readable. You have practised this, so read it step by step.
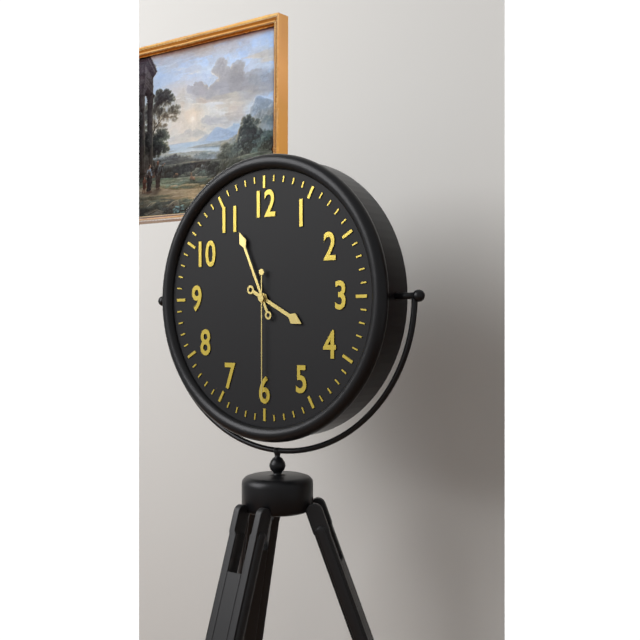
3,56,30
